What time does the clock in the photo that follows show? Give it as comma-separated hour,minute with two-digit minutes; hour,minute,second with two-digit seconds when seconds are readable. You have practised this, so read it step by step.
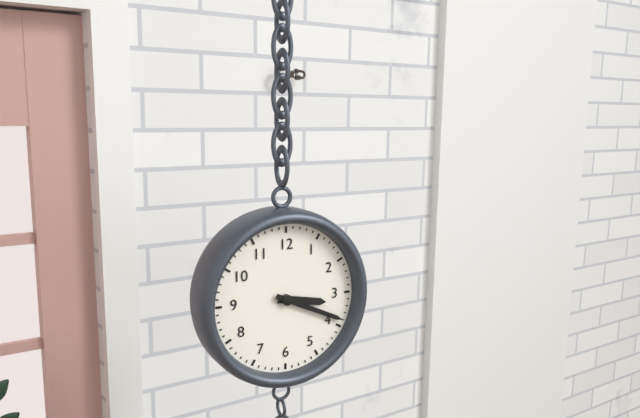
3,19
